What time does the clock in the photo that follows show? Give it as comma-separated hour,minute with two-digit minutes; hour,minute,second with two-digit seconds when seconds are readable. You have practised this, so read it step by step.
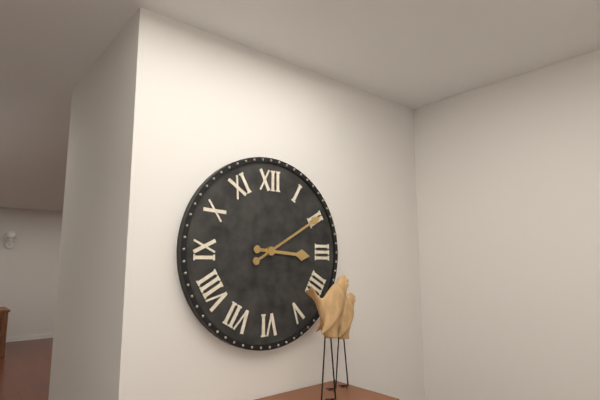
3,10
